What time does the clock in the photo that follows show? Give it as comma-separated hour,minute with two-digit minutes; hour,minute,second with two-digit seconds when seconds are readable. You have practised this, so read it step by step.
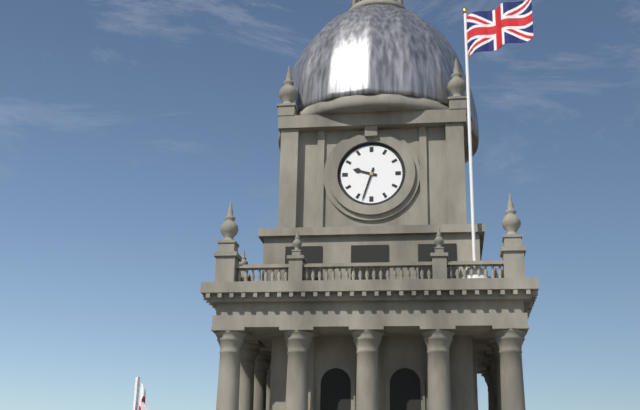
9,33
